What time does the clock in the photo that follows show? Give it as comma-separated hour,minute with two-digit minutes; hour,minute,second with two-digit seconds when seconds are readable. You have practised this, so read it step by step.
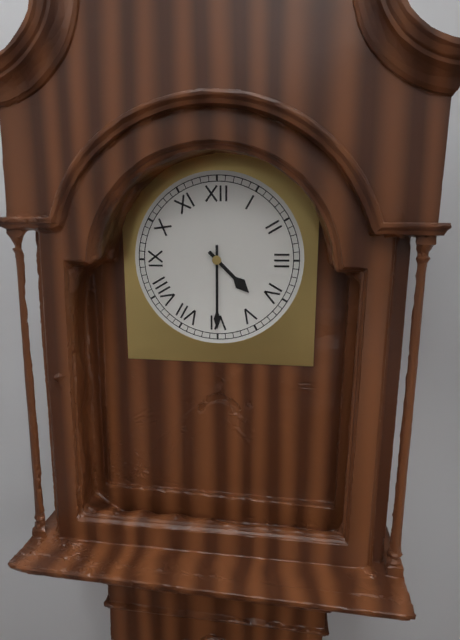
4,30
